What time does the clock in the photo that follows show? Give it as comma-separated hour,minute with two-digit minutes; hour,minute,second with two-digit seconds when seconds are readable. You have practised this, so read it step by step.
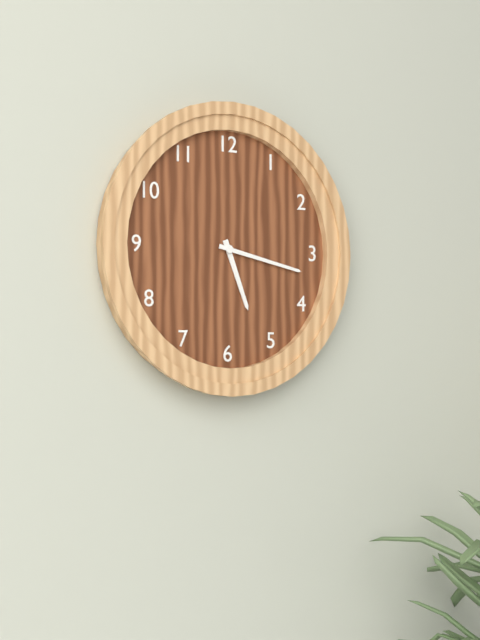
5,17
